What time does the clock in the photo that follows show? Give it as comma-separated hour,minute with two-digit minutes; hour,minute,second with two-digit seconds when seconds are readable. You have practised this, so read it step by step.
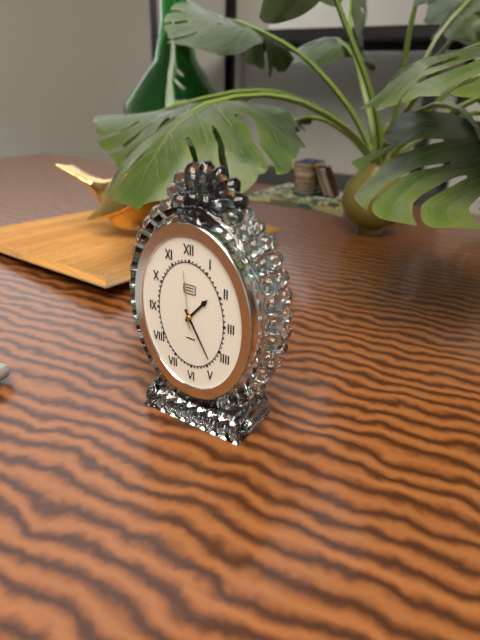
1,25,59
